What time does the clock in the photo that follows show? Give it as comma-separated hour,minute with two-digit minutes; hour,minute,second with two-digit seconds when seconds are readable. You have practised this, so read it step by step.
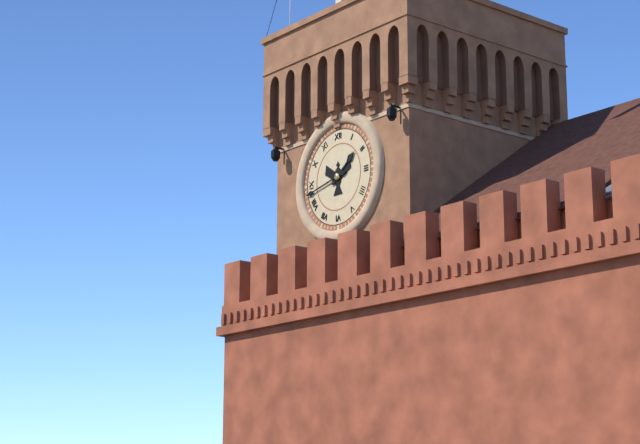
1,43
